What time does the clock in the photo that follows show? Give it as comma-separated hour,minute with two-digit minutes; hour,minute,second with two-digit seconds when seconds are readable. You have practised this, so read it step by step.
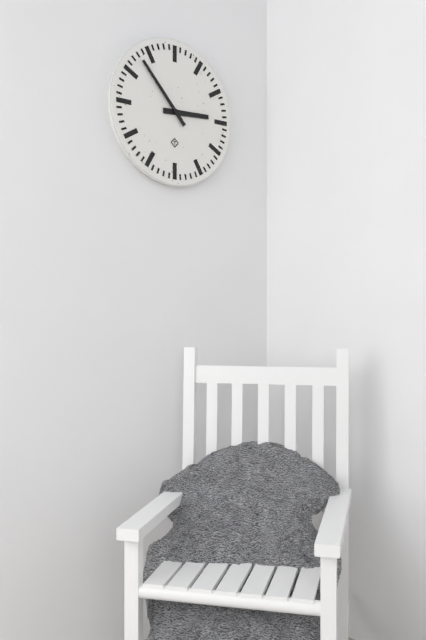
2,53
